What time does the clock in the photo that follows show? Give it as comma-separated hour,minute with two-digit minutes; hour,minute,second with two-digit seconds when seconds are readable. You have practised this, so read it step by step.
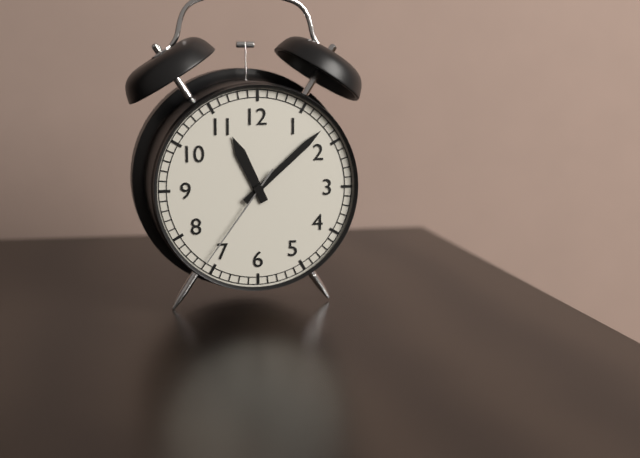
11,08,36
